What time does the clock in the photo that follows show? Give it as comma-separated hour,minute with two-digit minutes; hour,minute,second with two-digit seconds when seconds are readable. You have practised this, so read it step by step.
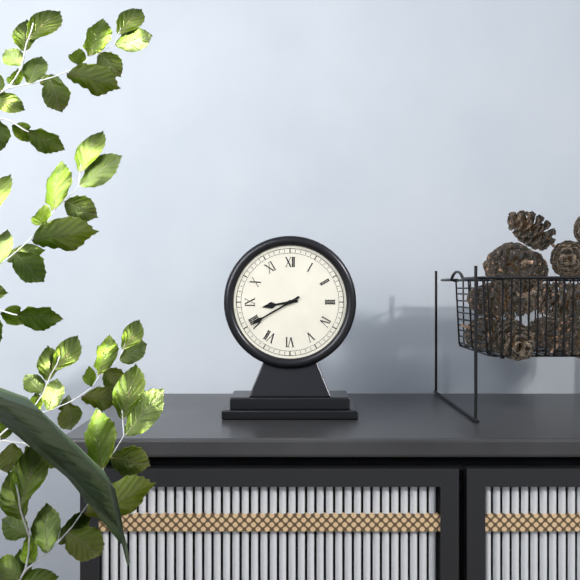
8,40
